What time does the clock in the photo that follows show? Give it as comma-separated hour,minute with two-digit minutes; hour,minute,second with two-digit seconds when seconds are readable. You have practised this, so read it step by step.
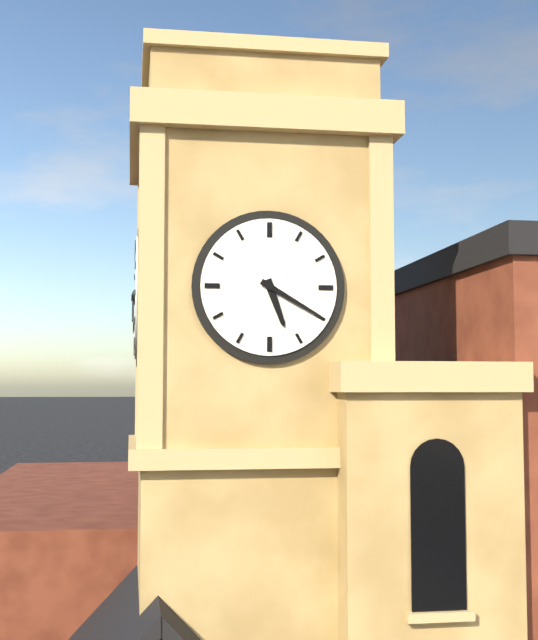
5,20
